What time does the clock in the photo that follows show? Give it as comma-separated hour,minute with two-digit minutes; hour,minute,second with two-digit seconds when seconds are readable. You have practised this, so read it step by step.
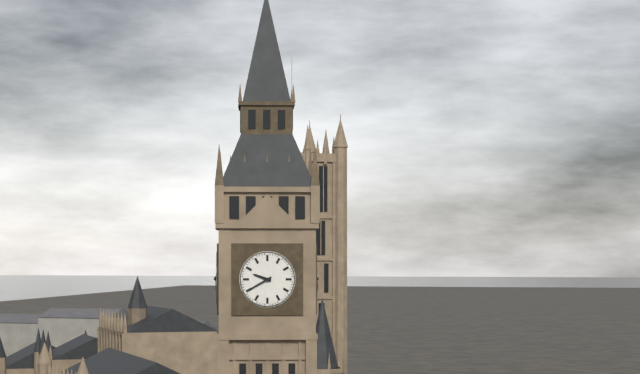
9,40
